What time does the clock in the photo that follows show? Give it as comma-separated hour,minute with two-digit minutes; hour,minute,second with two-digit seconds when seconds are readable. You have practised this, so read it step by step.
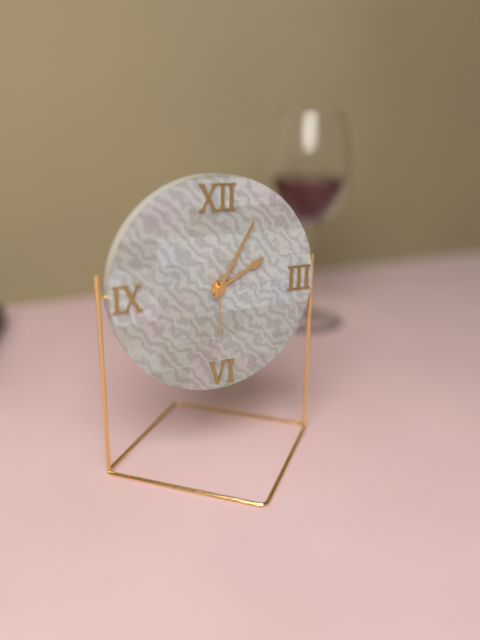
2,05,30
